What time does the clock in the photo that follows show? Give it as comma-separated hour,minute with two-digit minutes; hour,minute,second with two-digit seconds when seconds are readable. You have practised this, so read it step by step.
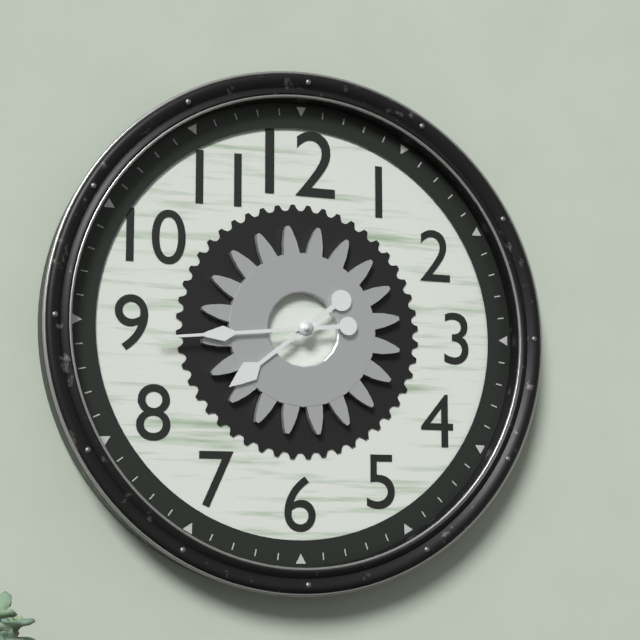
7,44
